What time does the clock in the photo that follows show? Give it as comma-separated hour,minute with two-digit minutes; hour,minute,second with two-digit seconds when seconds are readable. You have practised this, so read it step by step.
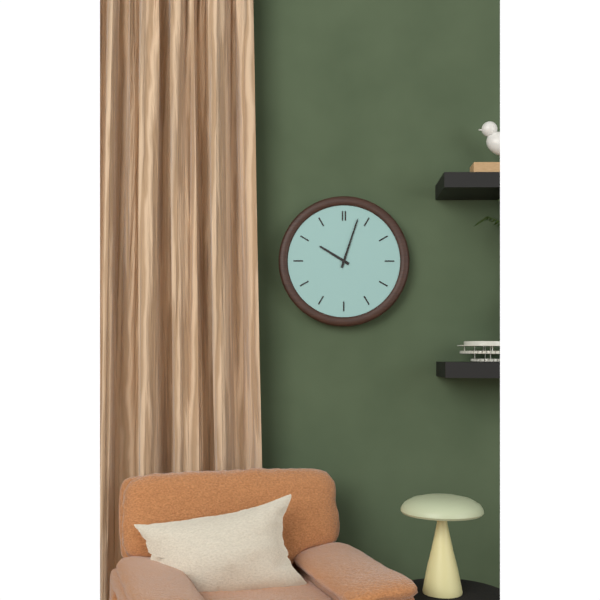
10,03
